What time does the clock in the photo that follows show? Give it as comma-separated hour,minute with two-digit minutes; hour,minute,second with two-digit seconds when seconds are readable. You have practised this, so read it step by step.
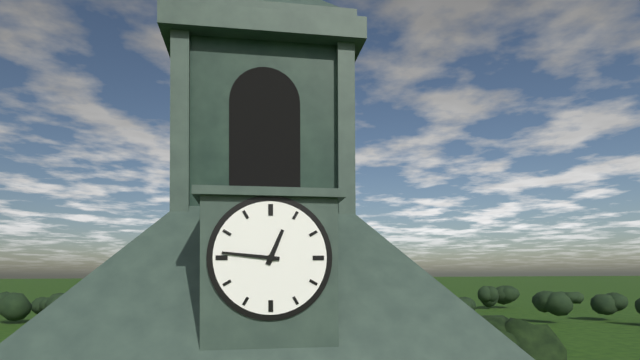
12,46
